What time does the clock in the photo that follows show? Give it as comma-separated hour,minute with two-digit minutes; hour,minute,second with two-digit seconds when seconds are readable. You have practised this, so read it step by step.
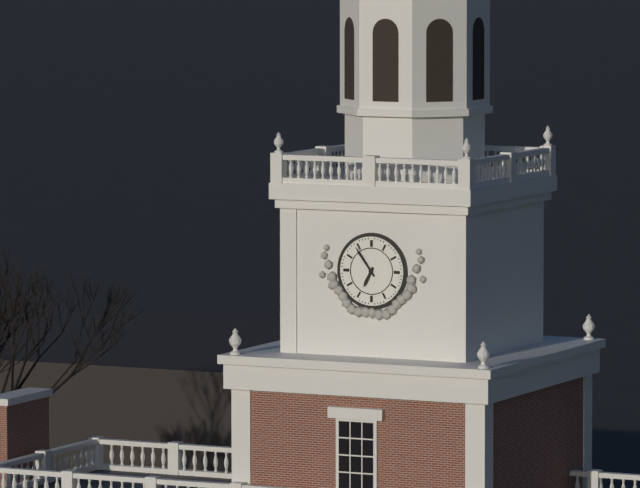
6,54
